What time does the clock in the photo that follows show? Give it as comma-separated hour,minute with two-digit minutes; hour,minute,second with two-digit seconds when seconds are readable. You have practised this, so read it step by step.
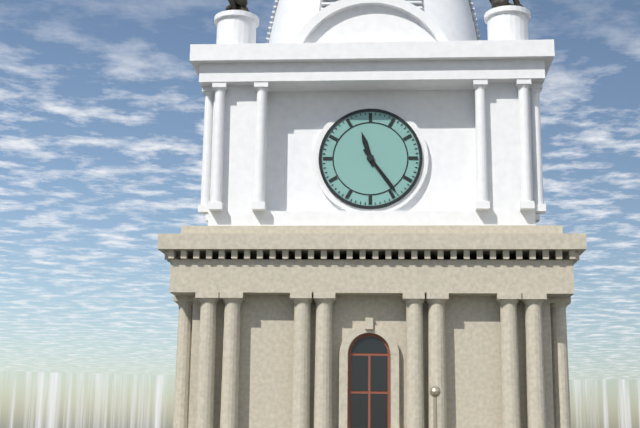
11,24
